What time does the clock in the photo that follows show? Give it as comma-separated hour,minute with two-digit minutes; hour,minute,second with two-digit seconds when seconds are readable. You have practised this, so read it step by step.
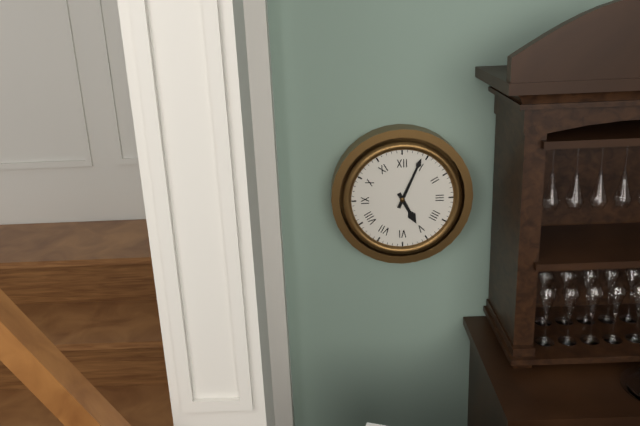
5,04
